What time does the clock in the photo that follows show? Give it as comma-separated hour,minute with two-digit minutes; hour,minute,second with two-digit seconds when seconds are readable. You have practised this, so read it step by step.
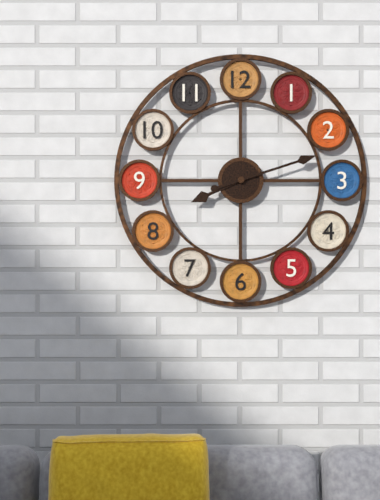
8,12
